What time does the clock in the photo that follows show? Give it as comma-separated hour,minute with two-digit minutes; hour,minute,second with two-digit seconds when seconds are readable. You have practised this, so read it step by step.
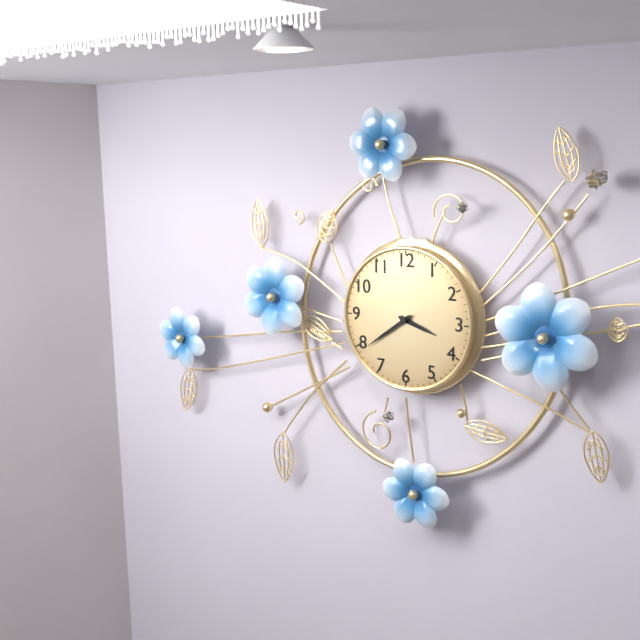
3,39
